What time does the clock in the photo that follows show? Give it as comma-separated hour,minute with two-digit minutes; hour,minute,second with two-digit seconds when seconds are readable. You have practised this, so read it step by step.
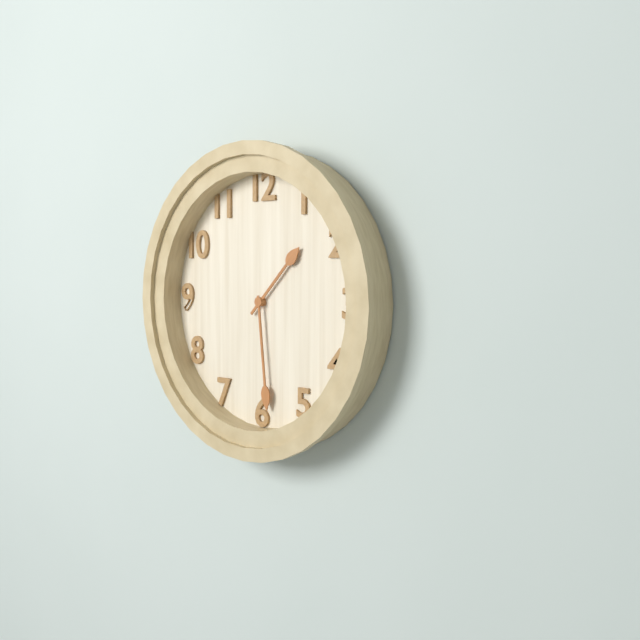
1,29
